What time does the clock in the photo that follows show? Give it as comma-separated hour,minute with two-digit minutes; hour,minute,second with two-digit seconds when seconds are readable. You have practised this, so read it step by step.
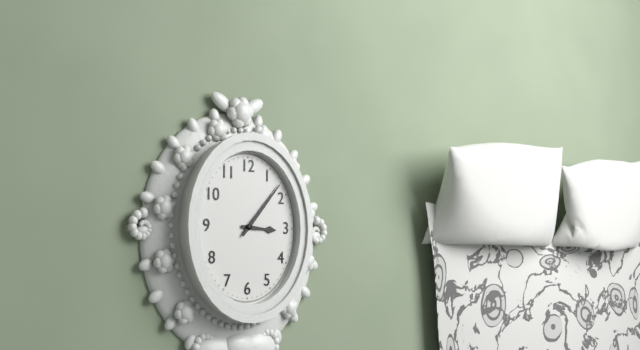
3,07
